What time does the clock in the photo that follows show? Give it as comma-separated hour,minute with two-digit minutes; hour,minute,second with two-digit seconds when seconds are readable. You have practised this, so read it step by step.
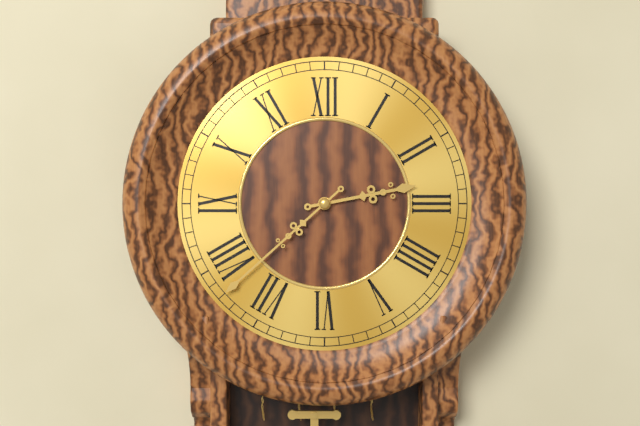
2,38
